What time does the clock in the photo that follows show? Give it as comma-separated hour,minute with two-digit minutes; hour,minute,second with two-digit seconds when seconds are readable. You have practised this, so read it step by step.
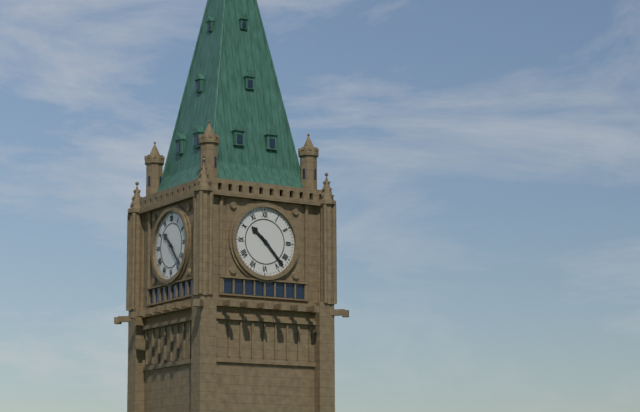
10,23
